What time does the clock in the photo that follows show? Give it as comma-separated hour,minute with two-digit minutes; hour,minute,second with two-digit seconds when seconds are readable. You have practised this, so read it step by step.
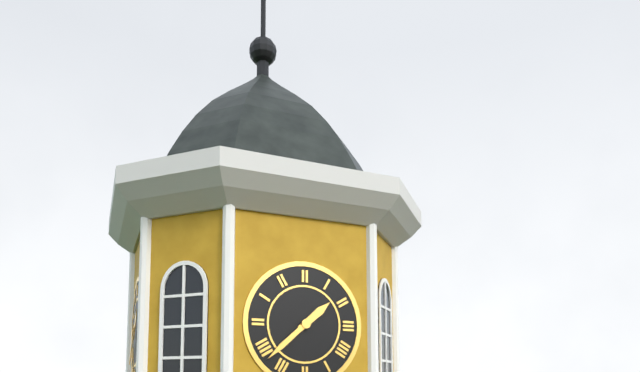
1,38
